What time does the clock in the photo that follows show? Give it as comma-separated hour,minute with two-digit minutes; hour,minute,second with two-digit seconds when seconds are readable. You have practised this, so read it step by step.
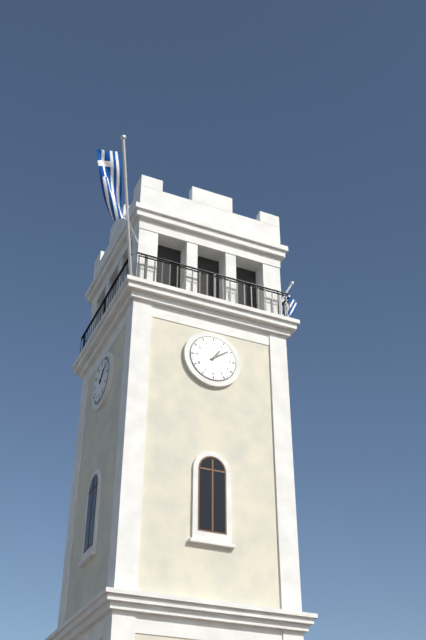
1,09
